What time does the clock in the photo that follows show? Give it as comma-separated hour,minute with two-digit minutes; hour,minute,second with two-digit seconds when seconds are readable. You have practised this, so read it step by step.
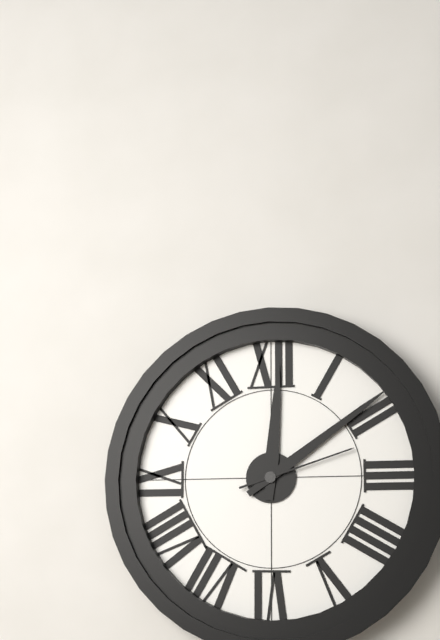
12,09,12
